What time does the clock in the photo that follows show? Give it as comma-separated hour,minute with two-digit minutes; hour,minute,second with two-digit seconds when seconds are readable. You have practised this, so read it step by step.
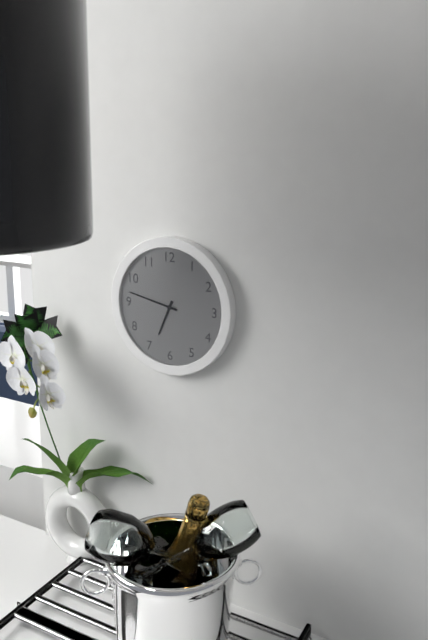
6,47
